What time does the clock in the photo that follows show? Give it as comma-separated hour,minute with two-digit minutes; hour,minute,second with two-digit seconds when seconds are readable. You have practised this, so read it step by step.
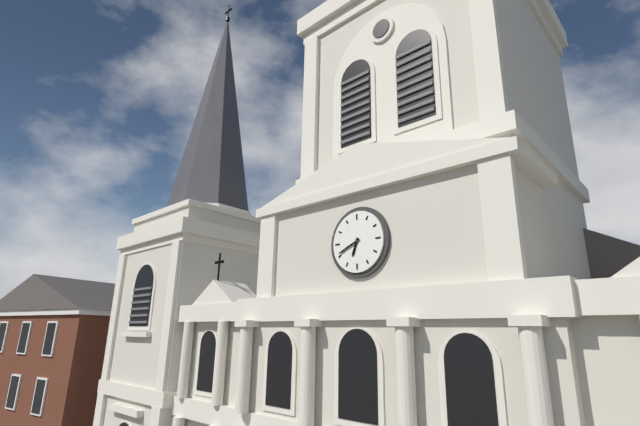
6,41
